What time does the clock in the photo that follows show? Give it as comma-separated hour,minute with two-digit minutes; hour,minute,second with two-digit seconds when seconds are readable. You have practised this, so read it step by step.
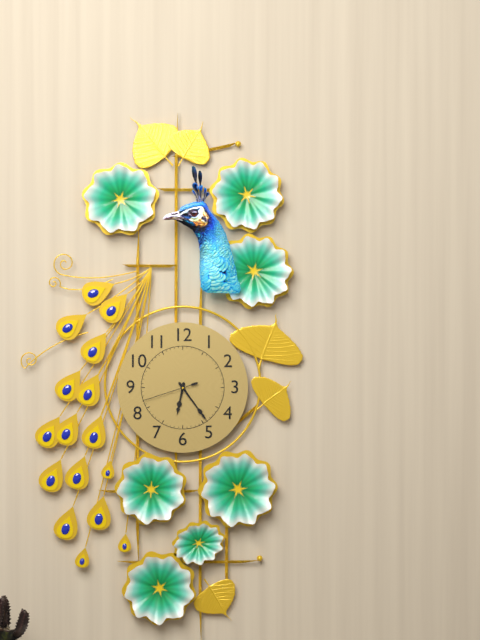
6,24,42
